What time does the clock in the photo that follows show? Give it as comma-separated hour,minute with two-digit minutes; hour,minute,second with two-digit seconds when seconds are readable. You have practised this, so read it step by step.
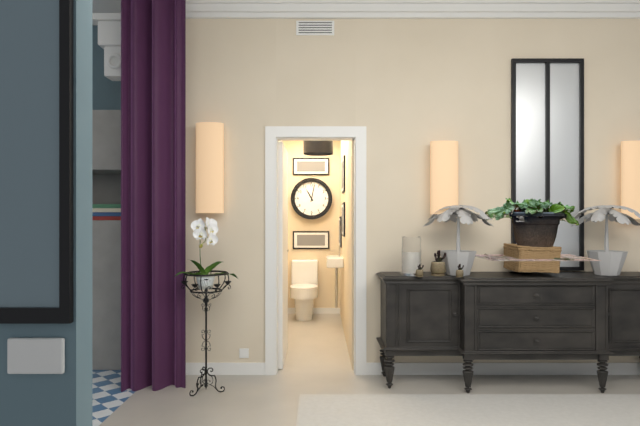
11,02
